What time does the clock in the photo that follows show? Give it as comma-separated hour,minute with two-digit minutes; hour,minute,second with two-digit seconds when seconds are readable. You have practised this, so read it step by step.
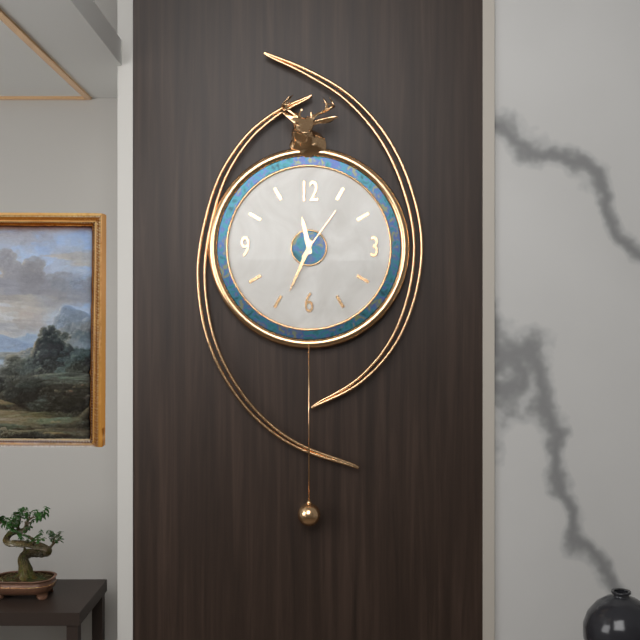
11,34,06
